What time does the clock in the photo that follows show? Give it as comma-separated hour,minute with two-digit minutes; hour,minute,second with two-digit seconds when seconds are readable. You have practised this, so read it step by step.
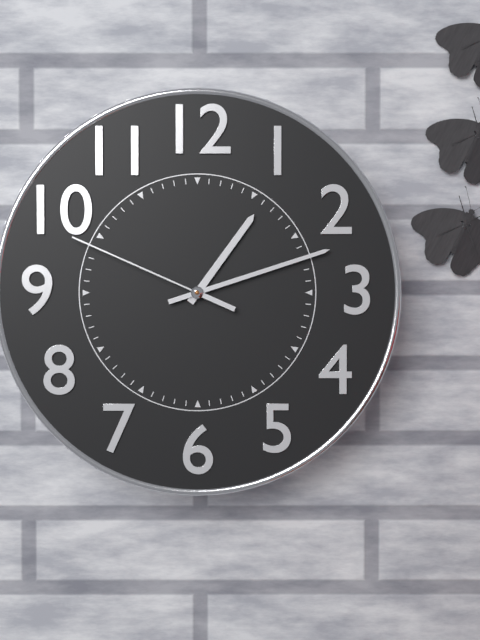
1,12,49
